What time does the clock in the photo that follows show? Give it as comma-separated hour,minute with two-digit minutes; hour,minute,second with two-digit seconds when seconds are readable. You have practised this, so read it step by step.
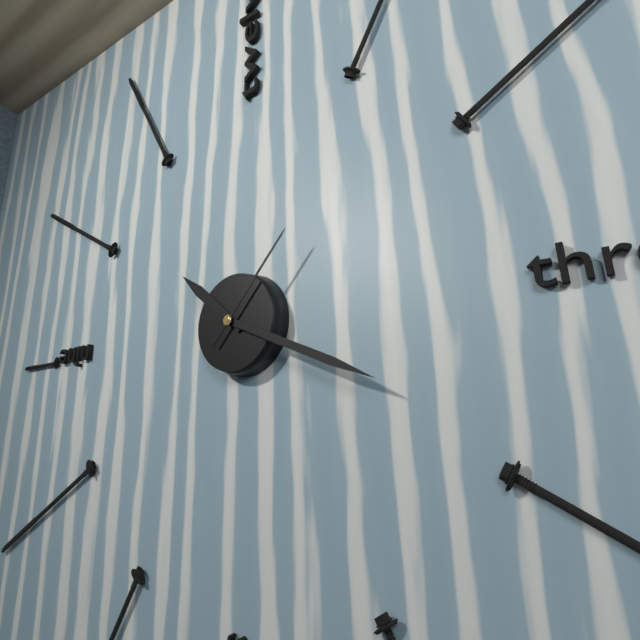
10,19,07
